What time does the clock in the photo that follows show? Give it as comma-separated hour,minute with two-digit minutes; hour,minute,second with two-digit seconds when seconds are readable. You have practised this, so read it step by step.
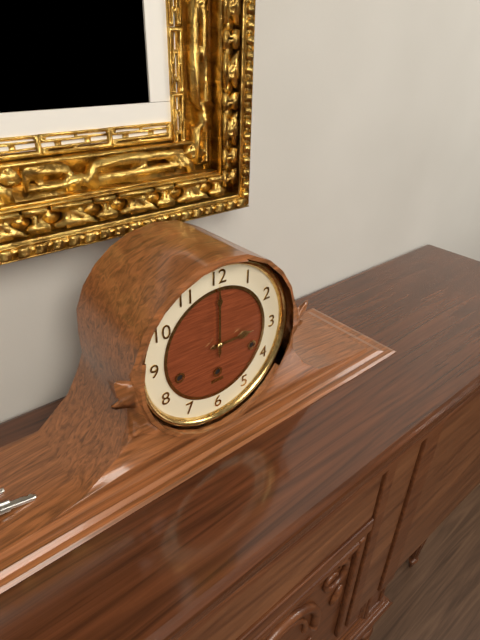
3,00
